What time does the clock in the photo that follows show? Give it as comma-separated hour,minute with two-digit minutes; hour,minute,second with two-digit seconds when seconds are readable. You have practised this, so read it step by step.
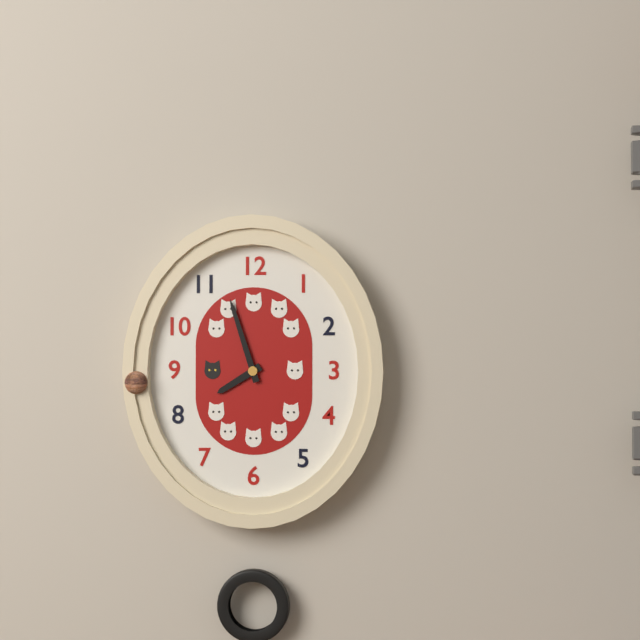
7,57
